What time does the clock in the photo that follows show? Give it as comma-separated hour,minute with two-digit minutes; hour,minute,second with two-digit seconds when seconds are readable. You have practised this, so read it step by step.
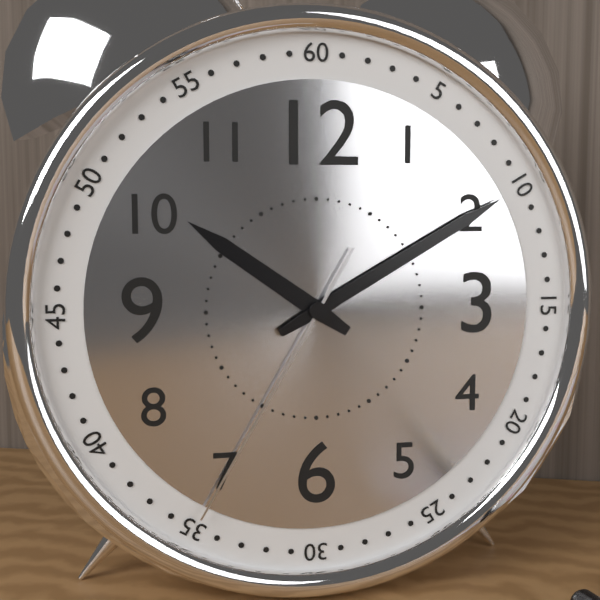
10,10,35
